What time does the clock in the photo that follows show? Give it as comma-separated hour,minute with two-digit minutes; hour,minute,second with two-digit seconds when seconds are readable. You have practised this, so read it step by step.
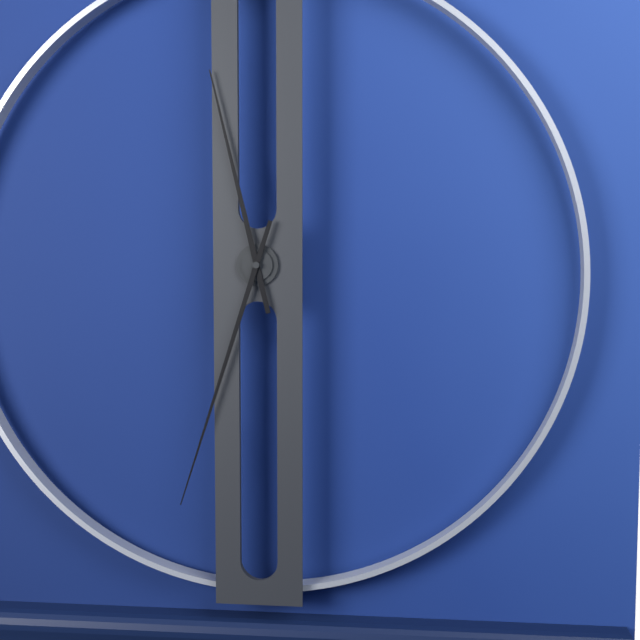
11,33
